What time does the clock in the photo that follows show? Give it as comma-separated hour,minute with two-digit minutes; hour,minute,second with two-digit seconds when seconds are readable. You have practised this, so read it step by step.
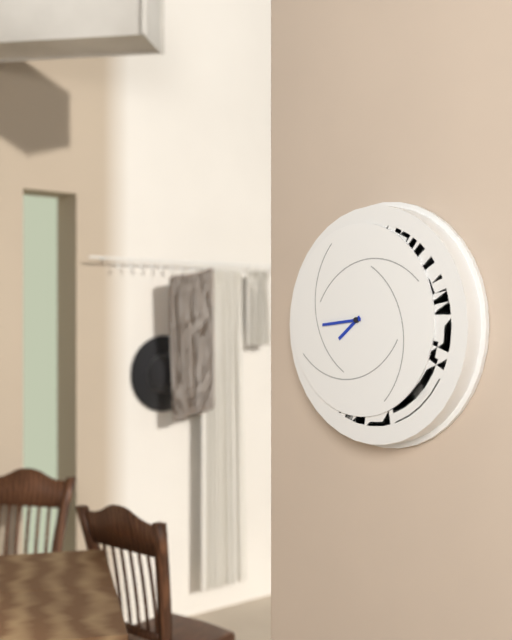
7,44
